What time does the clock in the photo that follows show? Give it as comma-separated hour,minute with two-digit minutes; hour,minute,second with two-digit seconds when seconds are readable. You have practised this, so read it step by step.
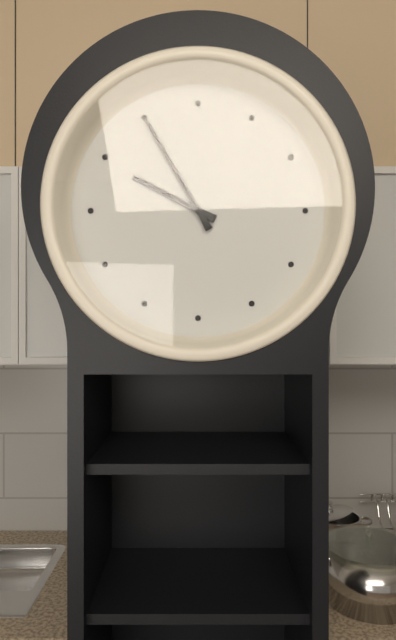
9,55
